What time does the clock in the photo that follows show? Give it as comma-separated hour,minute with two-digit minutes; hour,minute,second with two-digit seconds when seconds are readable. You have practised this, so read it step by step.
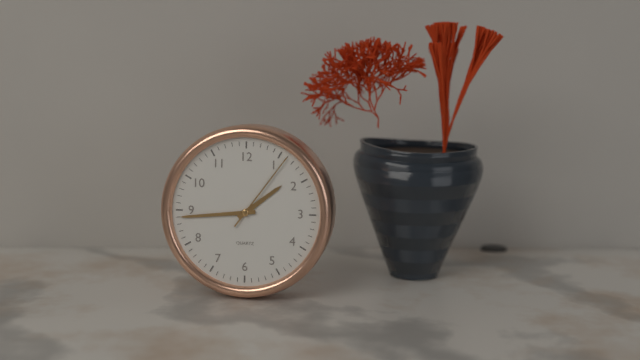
1,44,06
